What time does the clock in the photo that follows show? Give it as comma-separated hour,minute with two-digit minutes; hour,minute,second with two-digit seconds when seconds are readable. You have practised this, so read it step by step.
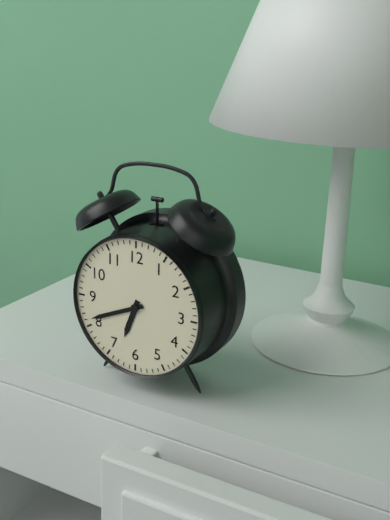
6,41
